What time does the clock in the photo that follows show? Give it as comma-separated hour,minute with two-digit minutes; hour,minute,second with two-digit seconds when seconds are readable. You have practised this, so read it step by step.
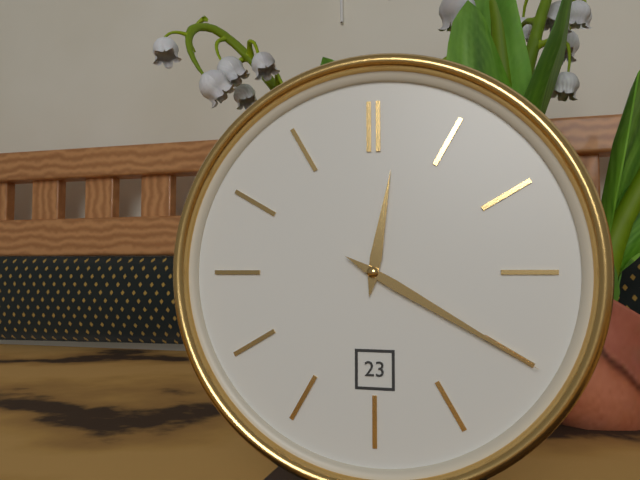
12,20
